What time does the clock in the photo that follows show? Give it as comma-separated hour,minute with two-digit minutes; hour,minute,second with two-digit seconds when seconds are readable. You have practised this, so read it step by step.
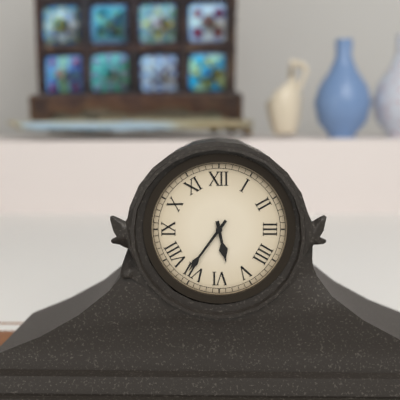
5,36
